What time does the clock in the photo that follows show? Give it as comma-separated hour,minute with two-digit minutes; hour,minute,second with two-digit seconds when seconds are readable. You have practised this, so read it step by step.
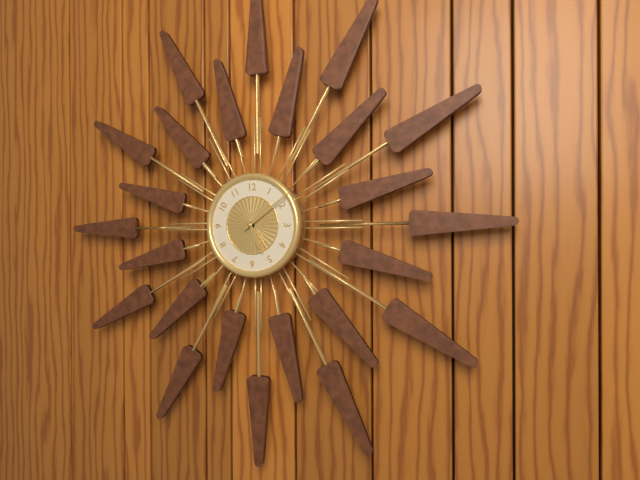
5,09
